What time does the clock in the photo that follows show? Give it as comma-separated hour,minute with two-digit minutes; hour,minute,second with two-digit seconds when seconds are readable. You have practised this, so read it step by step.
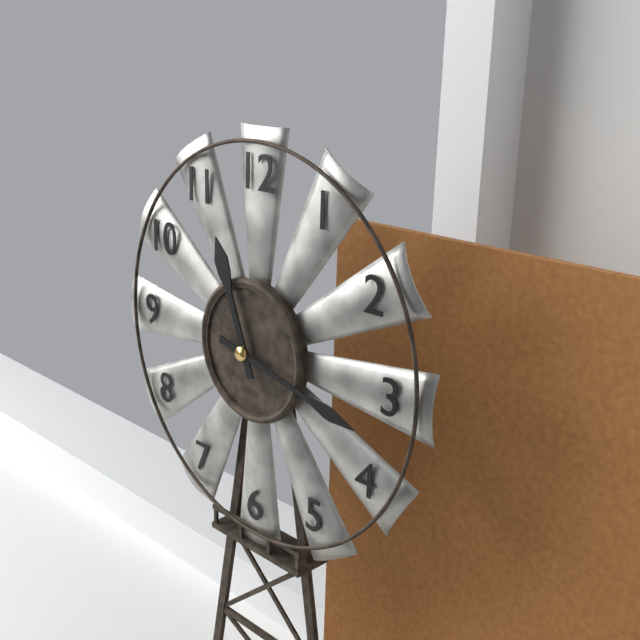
11,17
